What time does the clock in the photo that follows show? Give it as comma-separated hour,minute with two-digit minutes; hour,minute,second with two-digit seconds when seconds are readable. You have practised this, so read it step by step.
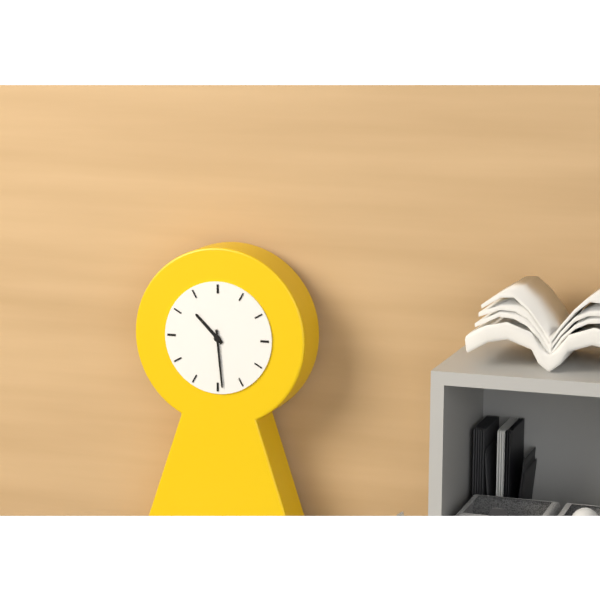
10,29
